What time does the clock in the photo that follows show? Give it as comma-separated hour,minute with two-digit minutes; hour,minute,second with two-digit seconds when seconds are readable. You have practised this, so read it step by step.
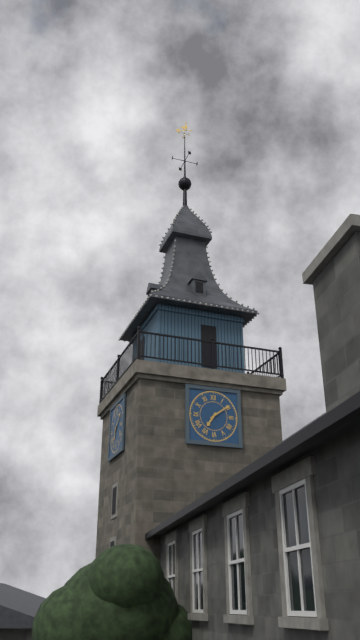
7,09
